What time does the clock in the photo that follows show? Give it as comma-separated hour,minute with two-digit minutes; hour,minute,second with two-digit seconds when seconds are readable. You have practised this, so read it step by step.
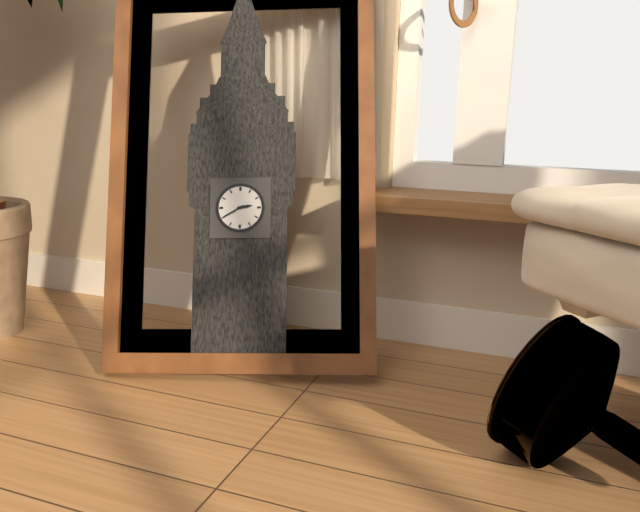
2,40
